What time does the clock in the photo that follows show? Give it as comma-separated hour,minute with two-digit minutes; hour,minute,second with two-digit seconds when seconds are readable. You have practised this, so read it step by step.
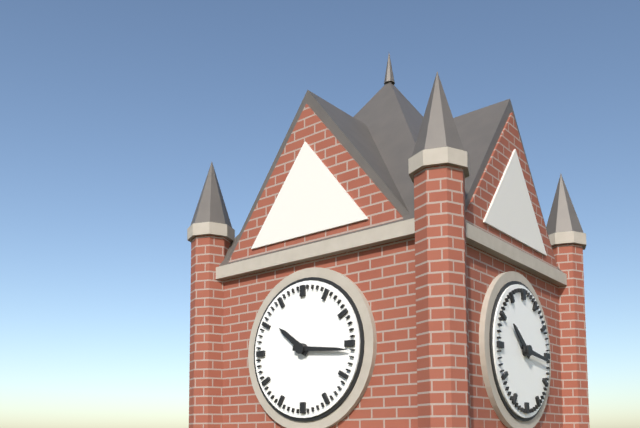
10,16
